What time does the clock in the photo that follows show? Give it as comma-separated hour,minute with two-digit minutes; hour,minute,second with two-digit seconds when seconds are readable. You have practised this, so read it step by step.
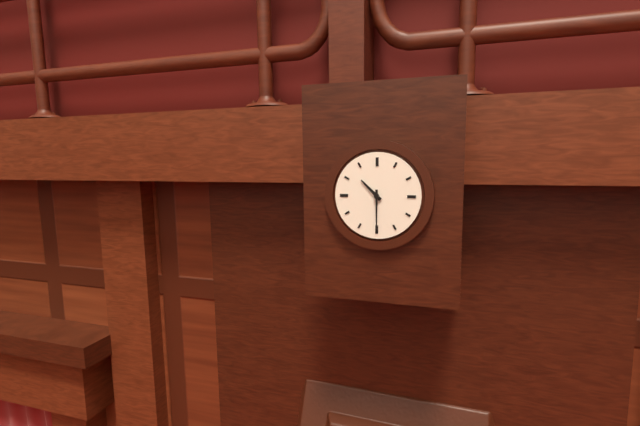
10,30
